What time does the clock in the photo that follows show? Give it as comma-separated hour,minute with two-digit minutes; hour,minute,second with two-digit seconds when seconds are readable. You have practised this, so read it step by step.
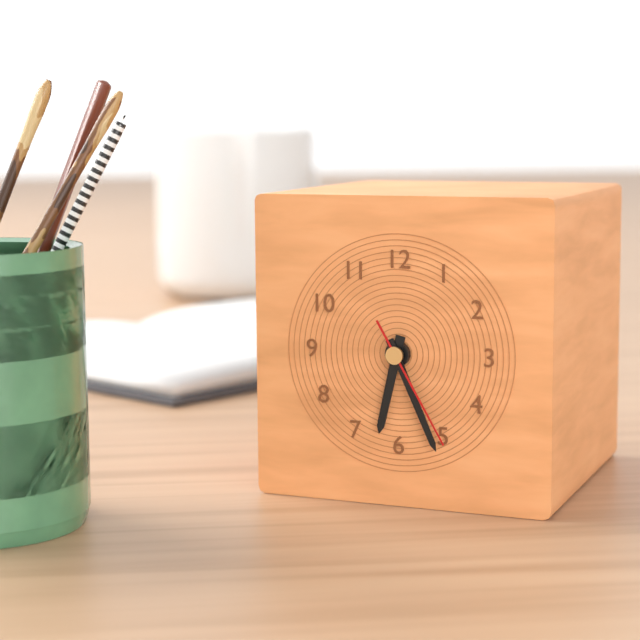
6,26,25
